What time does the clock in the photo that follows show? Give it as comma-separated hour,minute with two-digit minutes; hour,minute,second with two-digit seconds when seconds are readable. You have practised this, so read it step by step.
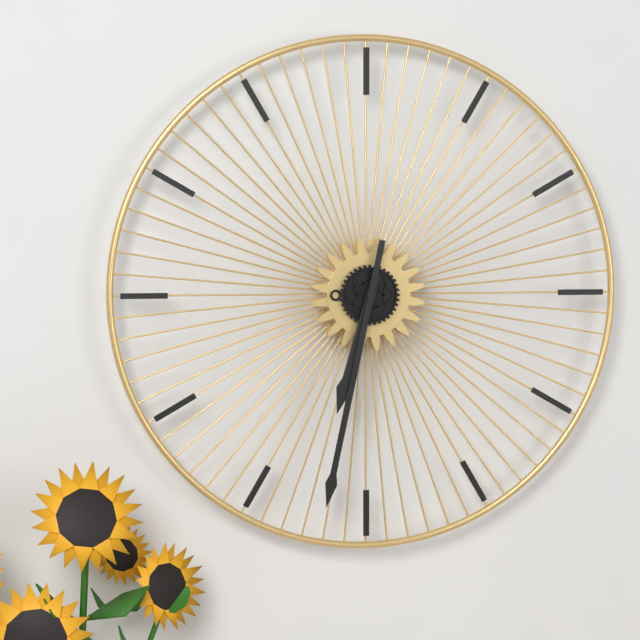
6,32
